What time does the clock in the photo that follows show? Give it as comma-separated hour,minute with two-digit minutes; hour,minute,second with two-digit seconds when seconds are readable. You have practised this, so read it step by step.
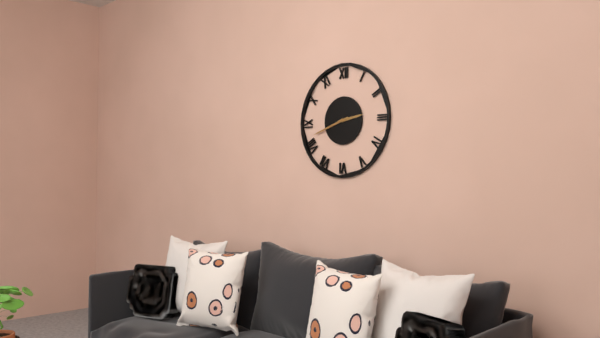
2,42
